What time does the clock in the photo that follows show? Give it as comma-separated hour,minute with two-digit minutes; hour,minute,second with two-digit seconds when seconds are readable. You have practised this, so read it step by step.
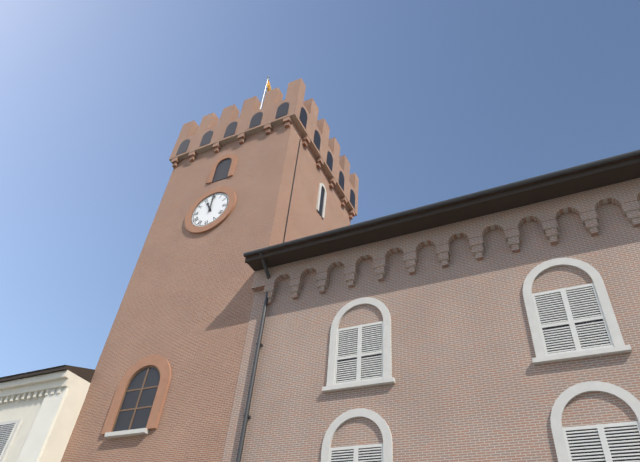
11,00
